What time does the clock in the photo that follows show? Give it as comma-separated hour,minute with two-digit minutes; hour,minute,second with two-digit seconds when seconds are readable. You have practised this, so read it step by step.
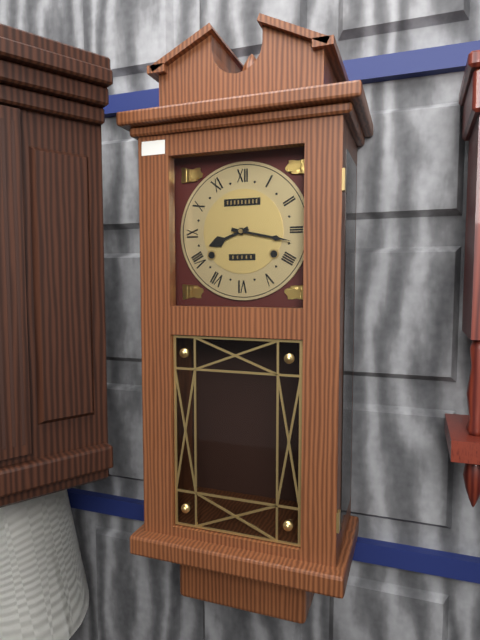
8,17
